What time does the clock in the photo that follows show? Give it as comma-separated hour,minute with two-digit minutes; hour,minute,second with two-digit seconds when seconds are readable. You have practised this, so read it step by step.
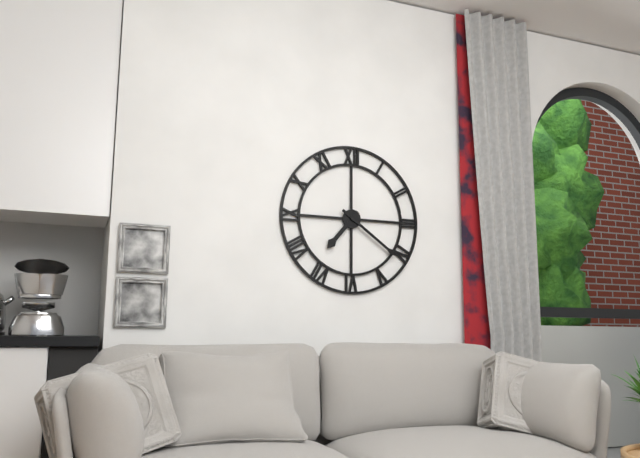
7,21
